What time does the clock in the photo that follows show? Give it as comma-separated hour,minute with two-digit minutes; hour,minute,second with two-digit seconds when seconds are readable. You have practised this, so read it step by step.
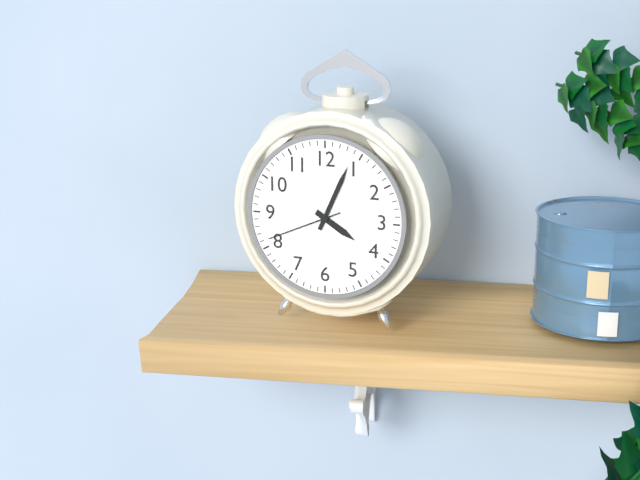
4,04,41
